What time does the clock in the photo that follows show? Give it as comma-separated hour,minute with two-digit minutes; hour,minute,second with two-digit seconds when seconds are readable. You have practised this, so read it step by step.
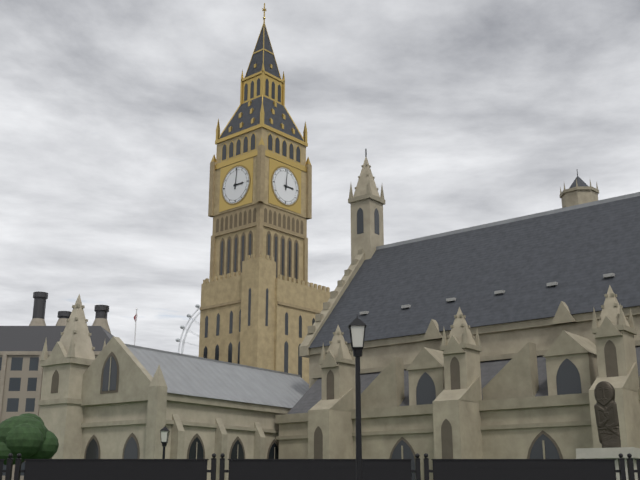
3,01
